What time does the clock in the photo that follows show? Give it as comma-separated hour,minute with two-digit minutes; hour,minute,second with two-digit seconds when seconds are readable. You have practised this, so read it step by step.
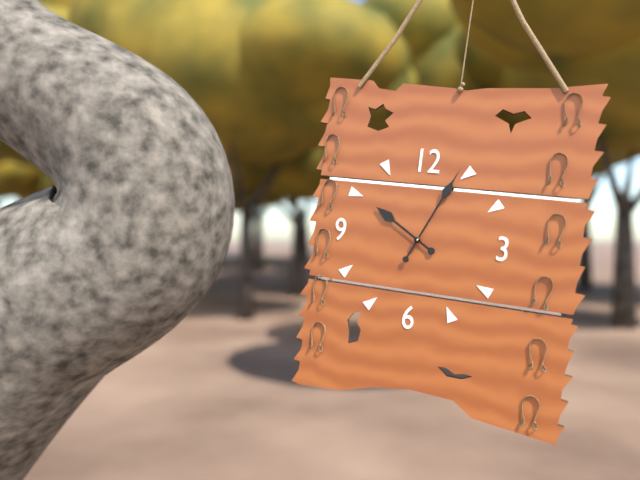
10,04
